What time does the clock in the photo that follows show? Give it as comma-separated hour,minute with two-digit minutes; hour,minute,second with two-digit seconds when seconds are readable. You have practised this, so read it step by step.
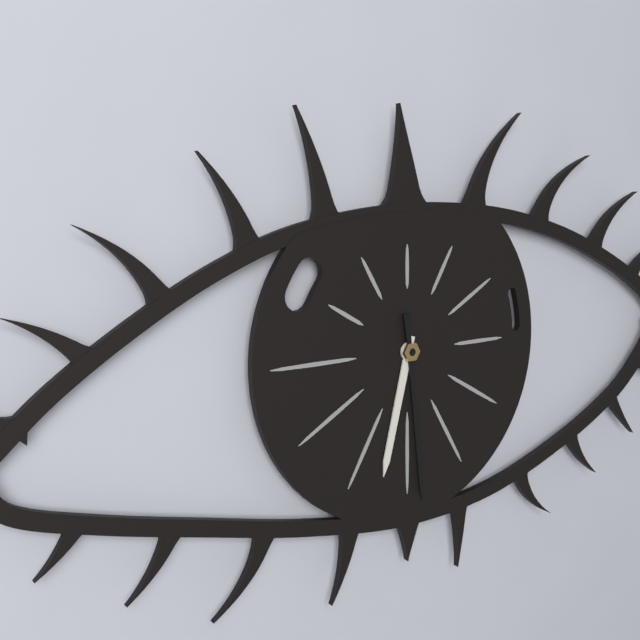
6,29
